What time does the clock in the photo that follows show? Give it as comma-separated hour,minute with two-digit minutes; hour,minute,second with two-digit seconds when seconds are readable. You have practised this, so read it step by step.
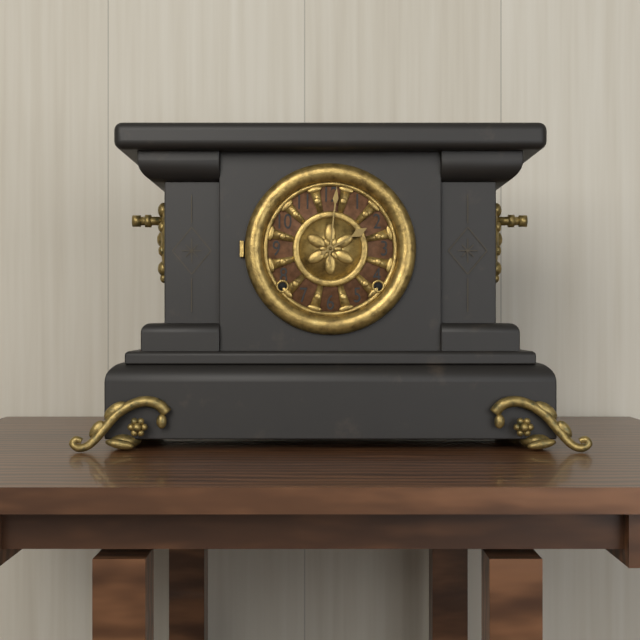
2,01
